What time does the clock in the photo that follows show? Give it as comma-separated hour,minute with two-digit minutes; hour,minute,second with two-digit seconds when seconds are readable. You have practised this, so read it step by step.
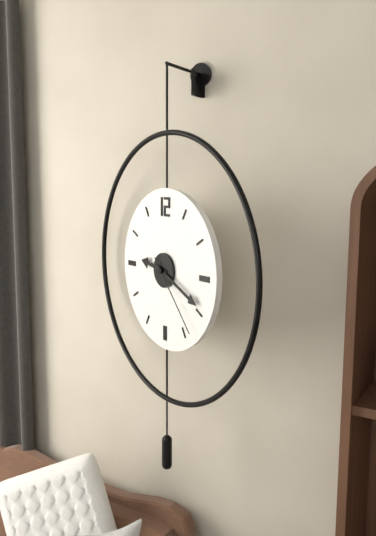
9,19,23
